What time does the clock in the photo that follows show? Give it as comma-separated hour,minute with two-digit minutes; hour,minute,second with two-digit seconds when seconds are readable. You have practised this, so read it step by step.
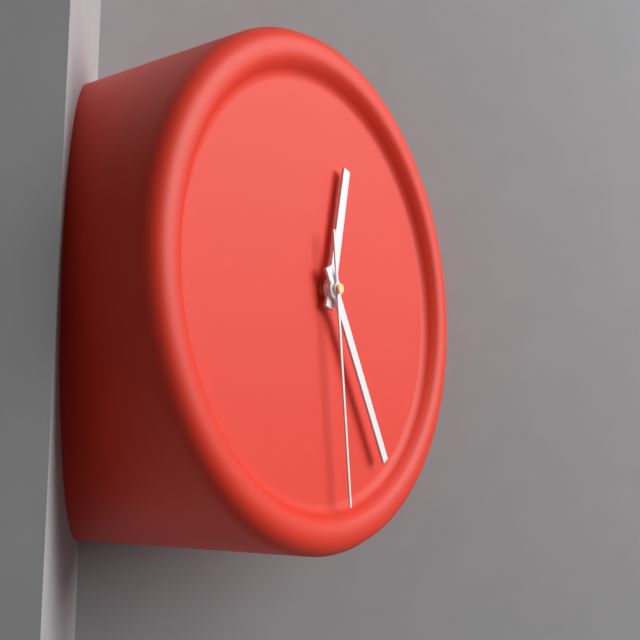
12,25,29
